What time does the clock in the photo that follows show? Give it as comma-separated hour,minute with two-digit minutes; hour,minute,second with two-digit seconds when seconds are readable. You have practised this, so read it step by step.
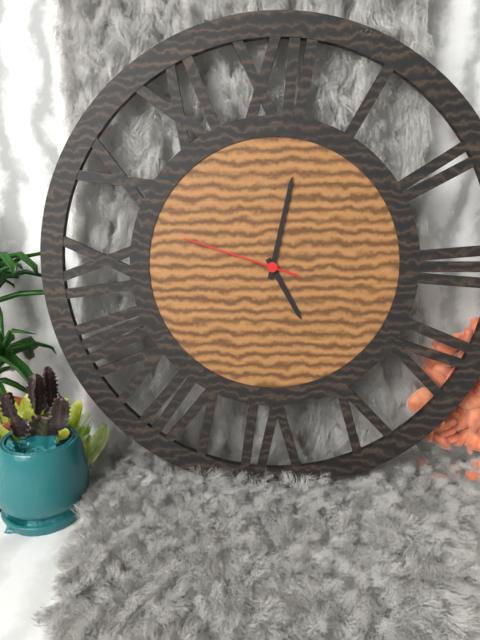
5,02,48
